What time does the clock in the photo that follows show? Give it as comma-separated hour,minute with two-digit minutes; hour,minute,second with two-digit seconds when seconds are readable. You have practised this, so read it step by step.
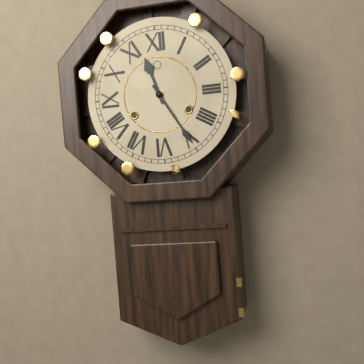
11,25
